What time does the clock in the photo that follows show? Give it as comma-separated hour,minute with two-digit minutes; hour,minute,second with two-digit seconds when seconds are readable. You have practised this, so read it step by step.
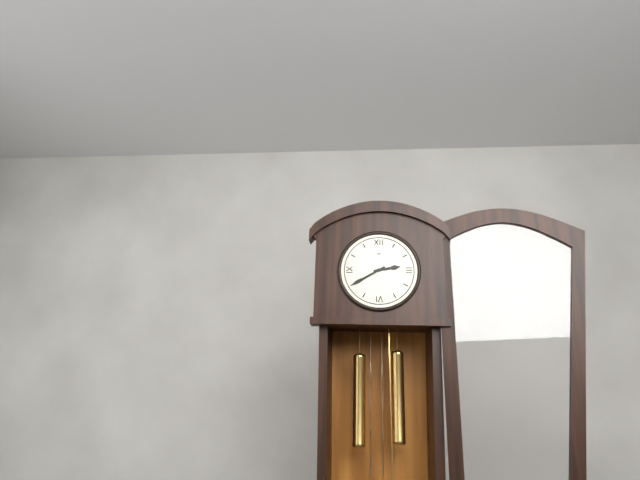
2,40
